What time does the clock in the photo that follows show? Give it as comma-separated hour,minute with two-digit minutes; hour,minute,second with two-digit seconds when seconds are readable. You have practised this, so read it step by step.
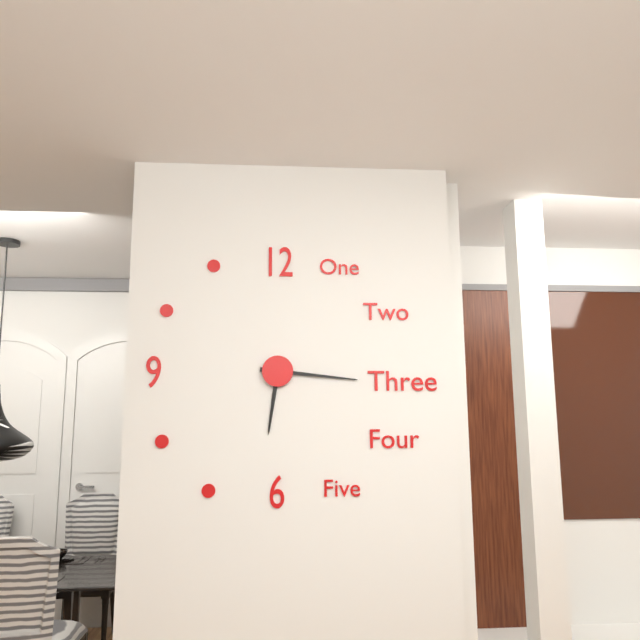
6,16
